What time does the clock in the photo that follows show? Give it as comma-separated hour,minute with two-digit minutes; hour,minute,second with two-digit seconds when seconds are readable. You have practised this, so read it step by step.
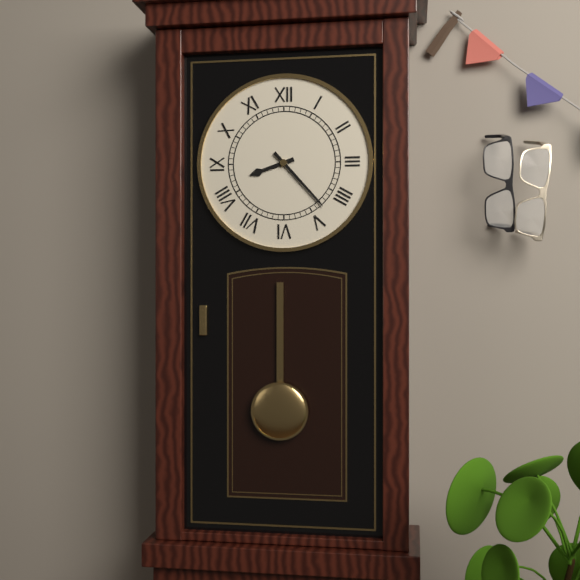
8,23
